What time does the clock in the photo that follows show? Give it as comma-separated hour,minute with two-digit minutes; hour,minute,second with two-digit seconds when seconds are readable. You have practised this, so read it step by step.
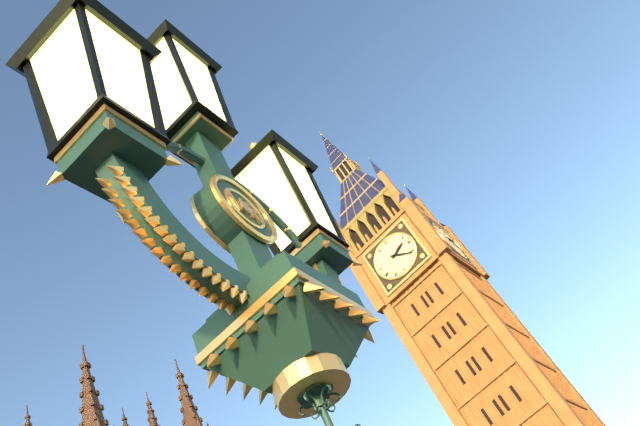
2,21
